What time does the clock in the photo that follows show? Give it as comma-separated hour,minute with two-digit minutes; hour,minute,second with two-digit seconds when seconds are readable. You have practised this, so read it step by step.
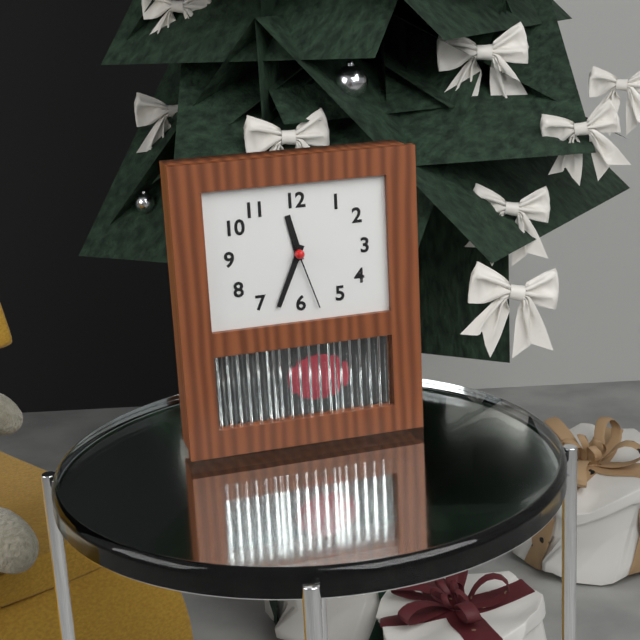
11,34,27
